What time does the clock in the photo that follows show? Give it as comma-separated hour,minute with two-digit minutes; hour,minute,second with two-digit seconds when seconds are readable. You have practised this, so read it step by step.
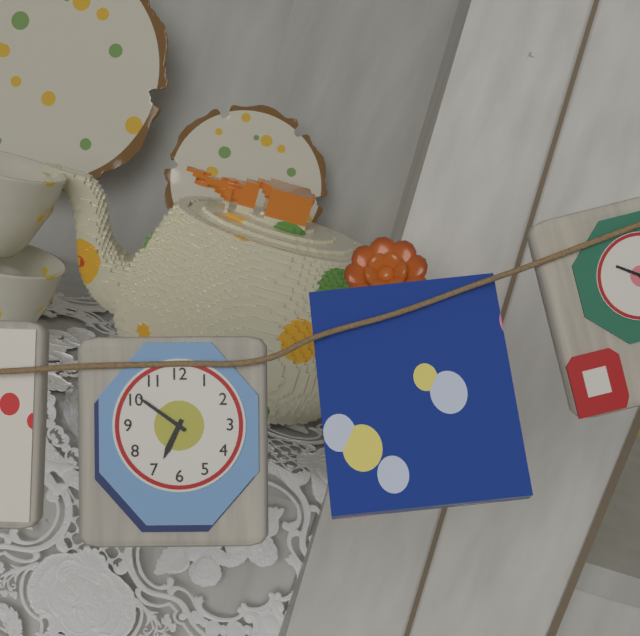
6,51
